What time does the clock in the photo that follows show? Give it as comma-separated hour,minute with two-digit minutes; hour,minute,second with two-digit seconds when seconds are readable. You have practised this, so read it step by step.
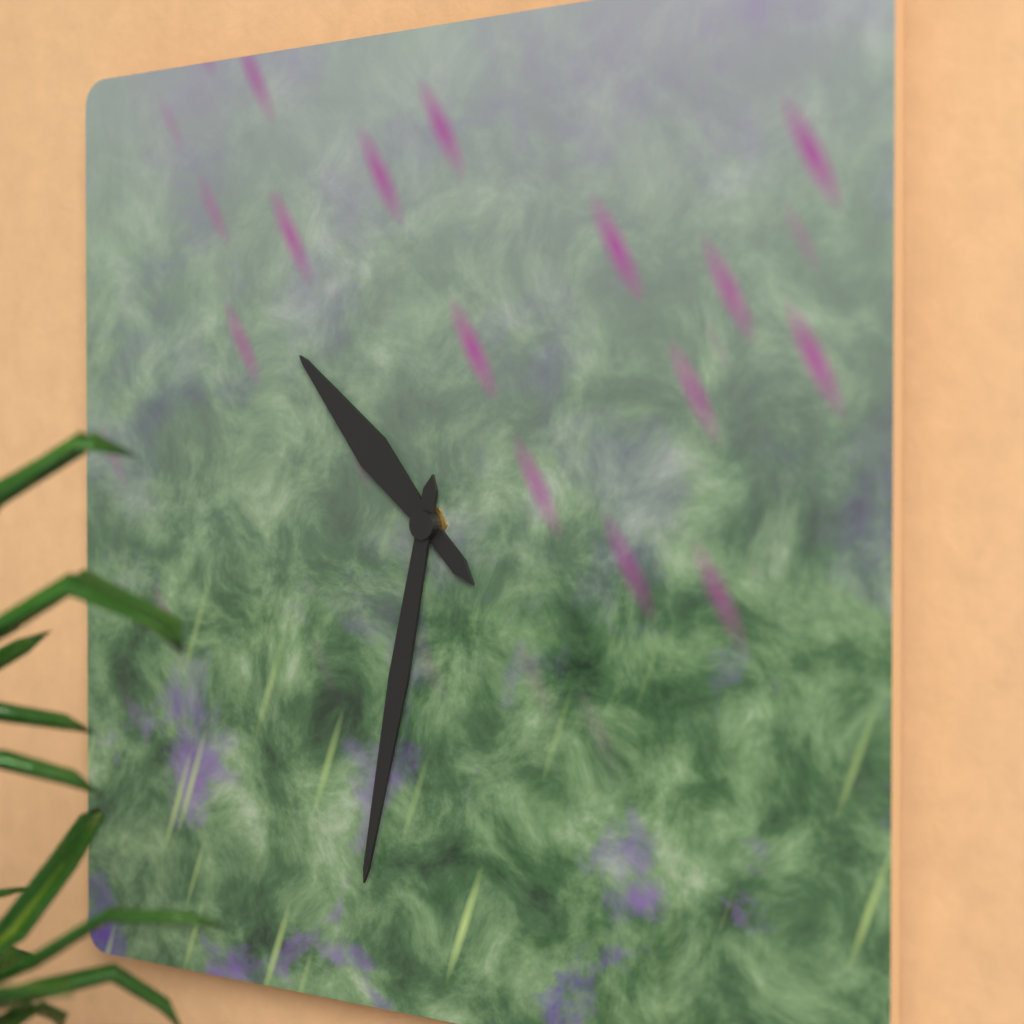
10,32
